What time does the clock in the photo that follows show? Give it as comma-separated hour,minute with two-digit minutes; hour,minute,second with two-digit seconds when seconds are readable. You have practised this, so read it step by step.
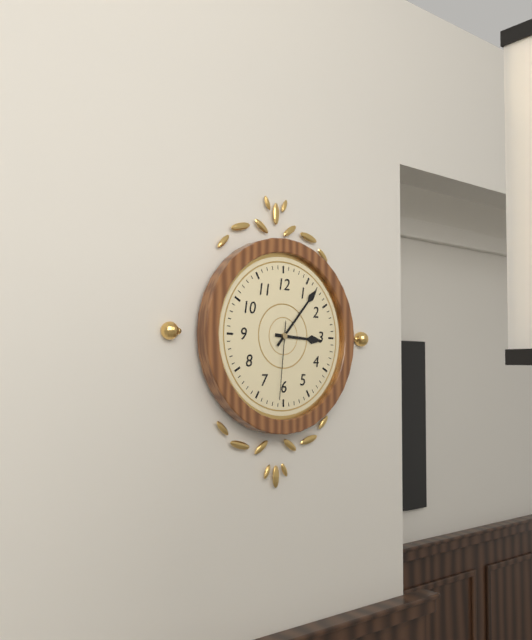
3,07,31
